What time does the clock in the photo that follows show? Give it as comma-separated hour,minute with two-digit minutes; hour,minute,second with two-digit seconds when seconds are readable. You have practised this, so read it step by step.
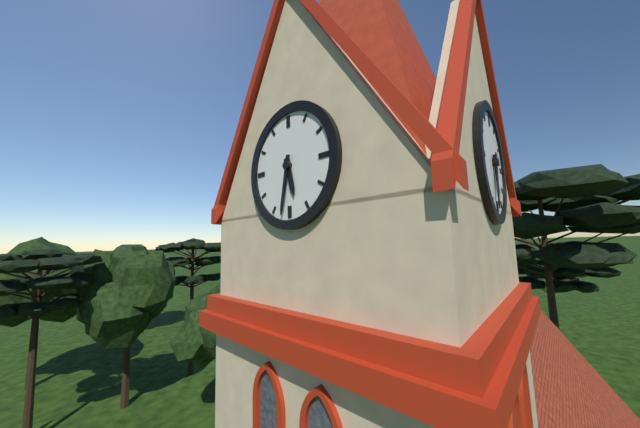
5,32
